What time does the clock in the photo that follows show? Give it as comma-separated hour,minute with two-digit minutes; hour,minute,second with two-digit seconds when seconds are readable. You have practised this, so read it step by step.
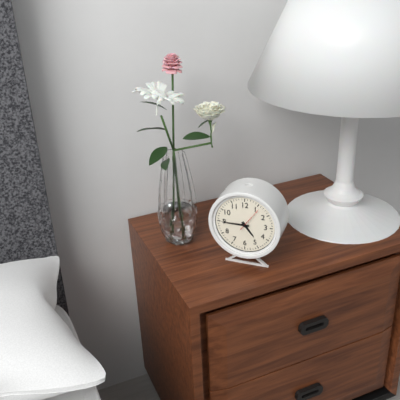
4,45
